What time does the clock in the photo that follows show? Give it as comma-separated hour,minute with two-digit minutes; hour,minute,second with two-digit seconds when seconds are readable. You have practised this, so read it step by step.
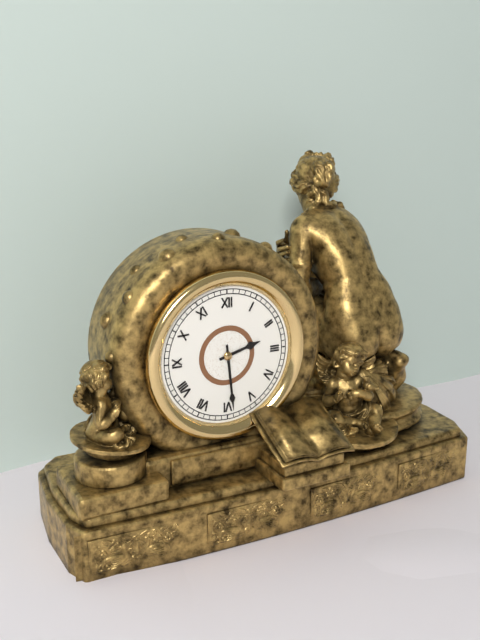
2,29
